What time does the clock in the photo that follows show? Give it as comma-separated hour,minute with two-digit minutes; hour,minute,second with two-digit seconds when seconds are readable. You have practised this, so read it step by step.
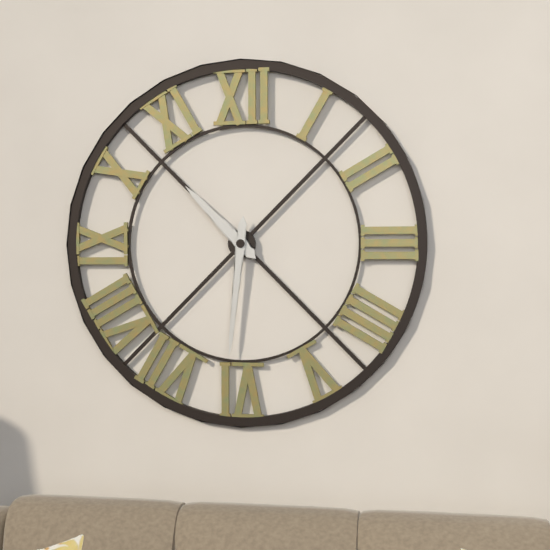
10,31
